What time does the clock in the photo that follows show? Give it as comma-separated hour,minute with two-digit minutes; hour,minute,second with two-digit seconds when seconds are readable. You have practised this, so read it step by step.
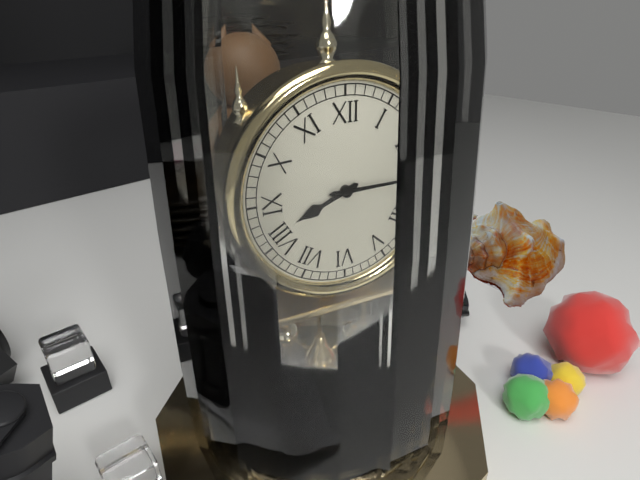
8,15
